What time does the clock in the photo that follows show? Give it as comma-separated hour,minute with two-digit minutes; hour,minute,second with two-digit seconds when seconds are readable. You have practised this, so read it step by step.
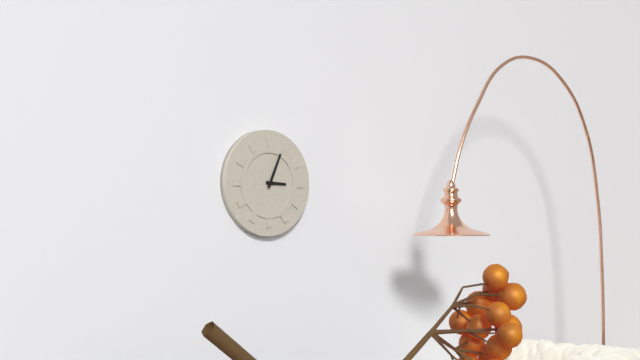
3,04
